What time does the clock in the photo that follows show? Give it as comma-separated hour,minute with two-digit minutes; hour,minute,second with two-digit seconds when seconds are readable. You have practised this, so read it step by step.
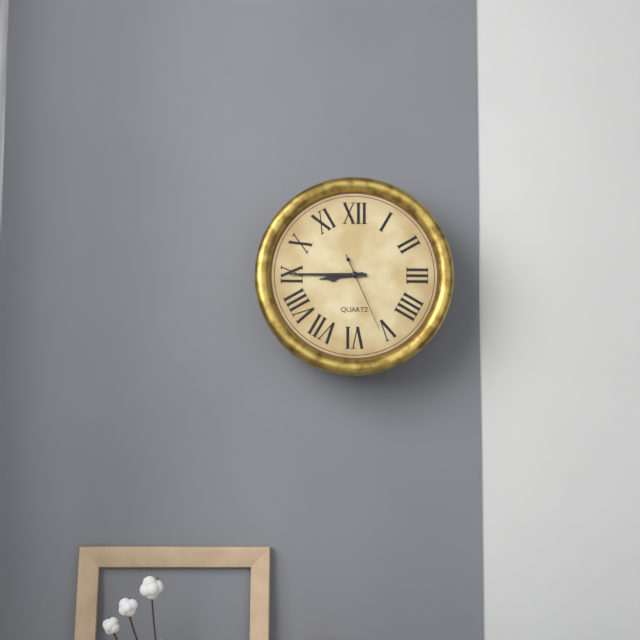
8,45,26
